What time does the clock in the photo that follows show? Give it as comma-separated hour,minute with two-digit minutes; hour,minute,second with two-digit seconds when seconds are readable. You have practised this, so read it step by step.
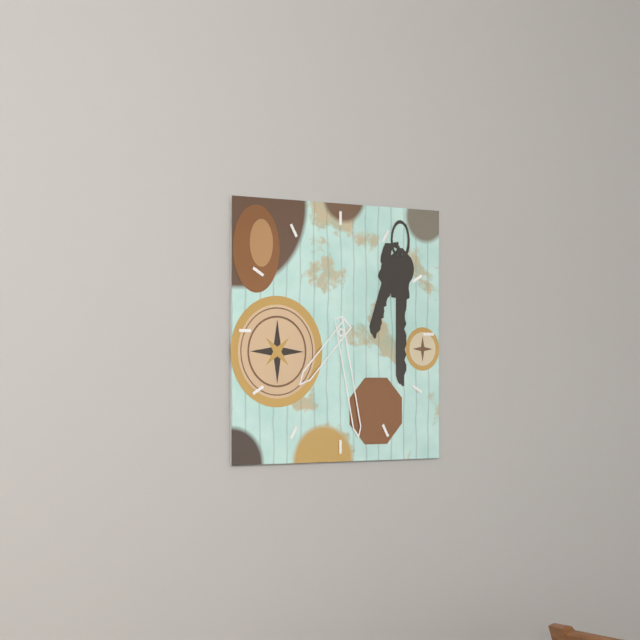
7,28
